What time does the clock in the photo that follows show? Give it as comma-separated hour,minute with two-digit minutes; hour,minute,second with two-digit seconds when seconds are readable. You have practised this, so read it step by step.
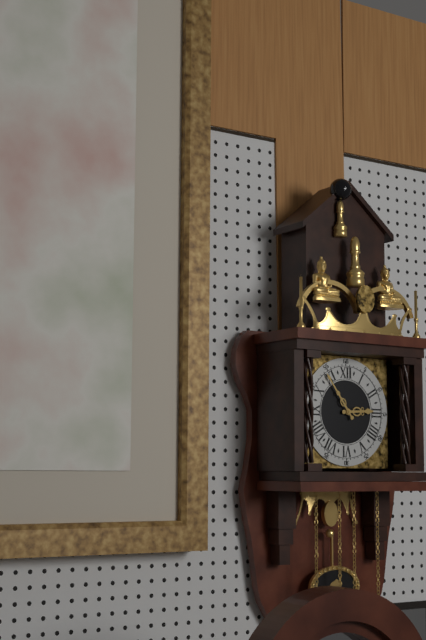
2,54
